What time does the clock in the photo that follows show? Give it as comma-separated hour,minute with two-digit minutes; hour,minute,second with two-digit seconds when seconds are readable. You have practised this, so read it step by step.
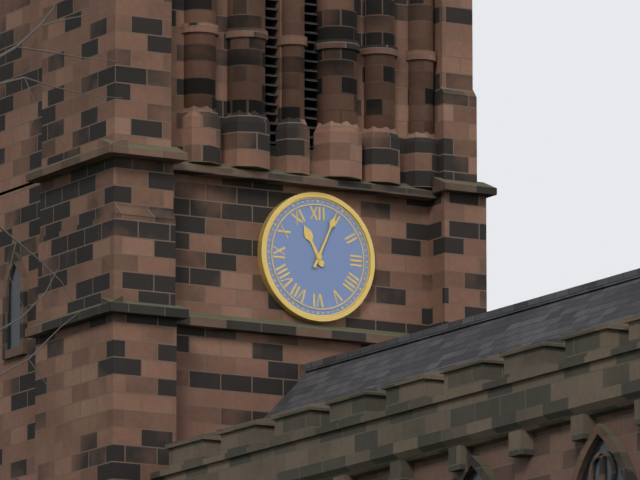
11,04
